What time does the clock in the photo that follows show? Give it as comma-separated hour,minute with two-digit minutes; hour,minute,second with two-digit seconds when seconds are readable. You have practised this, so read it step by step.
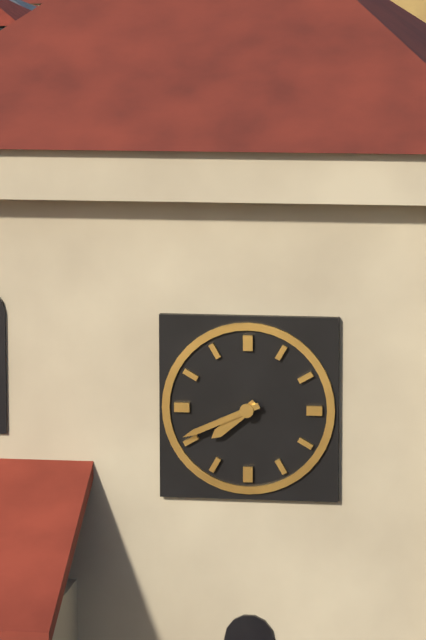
7,41
